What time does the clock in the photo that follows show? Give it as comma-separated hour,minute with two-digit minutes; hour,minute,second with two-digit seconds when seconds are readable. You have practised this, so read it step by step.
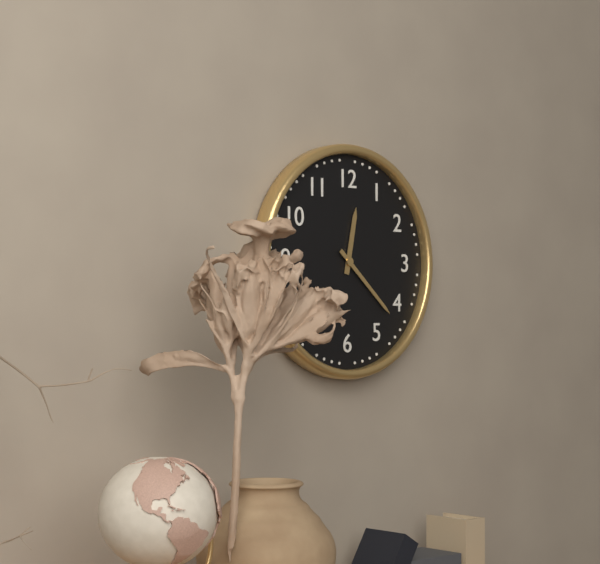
12,22
